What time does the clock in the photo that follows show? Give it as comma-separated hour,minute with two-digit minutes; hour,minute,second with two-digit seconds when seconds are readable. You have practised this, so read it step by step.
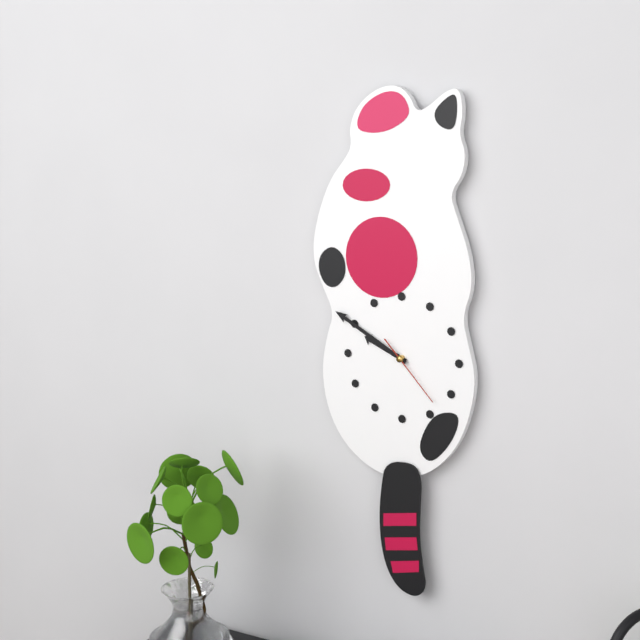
9,50,23
